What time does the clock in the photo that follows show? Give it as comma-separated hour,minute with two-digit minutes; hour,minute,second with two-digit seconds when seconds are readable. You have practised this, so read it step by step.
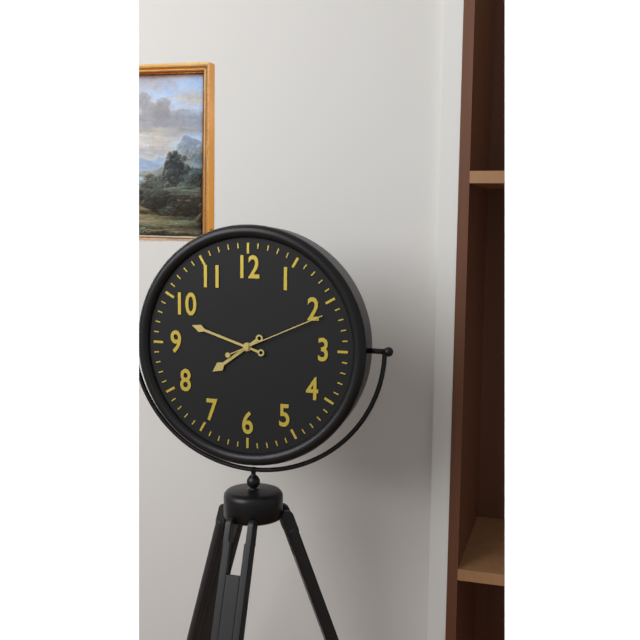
7,48,11
